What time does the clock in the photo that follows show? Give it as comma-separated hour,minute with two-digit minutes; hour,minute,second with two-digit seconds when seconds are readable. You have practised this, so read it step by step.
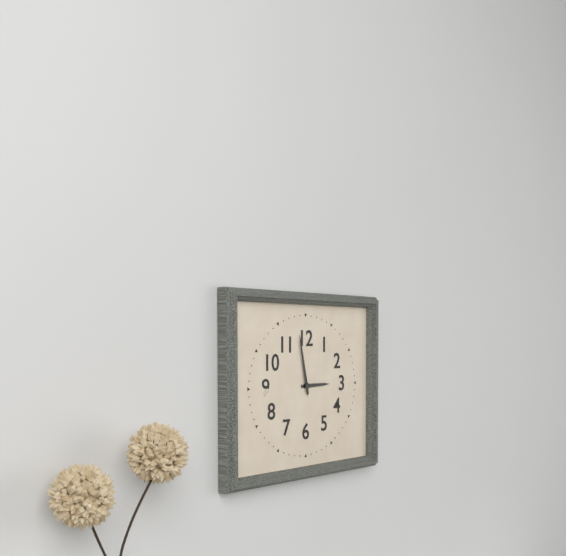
2,58
